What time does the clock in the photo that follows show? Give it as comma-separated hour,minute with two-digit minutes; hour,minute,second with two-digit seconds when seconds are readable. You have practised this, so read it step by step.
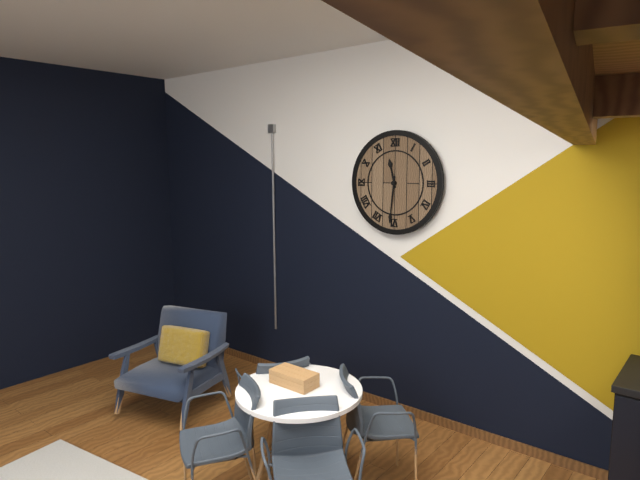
11,31
